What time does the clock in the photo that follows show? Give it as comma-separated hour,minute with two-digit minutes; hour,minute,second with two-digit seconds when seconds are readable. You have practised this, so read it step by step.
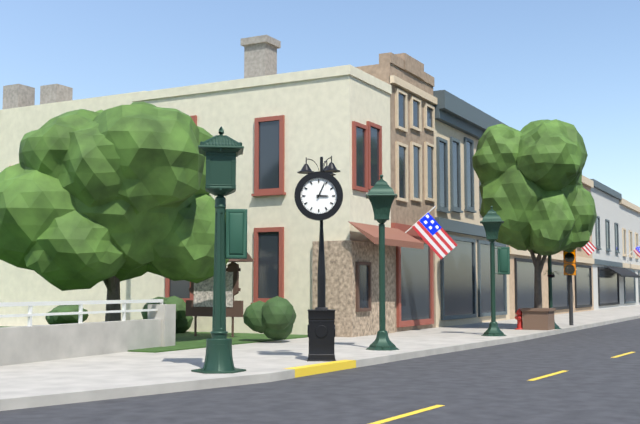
3,04
